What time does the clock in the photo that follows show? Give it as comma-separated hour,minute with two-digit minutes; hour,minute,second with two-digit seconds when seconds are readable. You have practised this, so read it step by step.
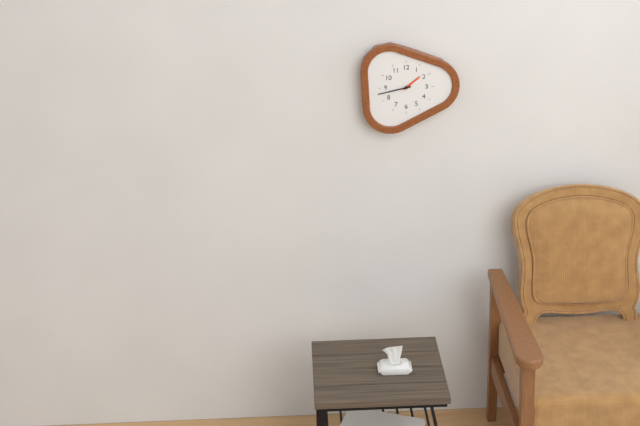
1,43
